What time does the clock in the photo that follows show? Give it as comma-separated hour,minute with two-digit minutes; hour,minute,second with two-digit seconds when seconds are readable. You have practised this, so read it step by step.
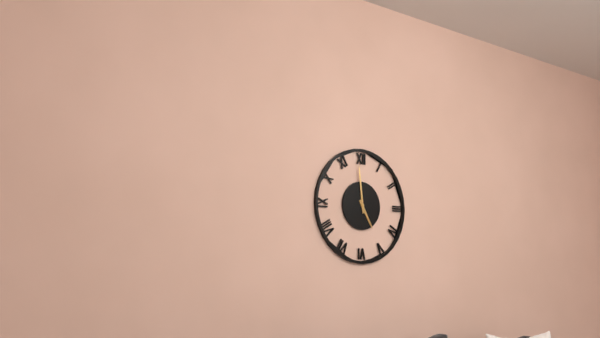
4,59
